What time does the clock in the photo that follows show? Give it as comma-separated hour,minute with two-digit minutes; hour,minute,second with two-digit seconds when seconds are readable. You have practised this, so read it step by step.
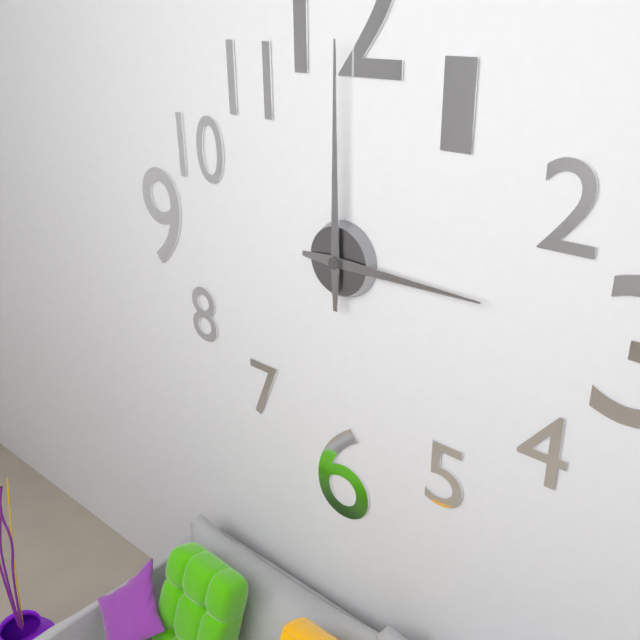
3,00
